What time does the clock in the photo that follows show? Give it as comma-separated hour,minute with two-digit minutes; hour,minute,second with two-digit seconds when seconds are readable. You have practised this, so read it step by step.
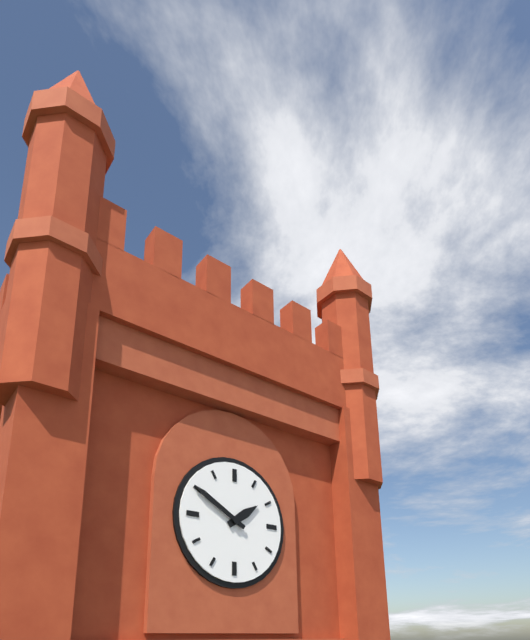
1,50
